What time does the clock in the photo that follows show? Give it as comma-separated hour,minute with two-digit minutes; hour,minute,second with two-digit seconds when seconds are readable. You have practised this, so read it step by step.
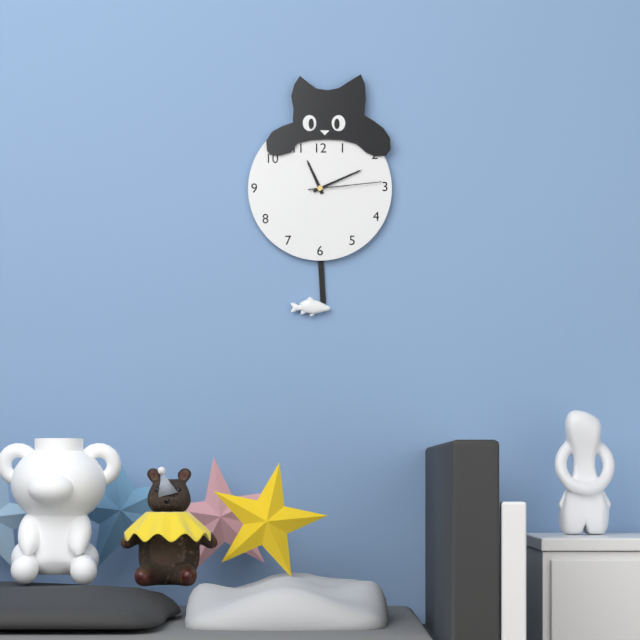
11,11,14
